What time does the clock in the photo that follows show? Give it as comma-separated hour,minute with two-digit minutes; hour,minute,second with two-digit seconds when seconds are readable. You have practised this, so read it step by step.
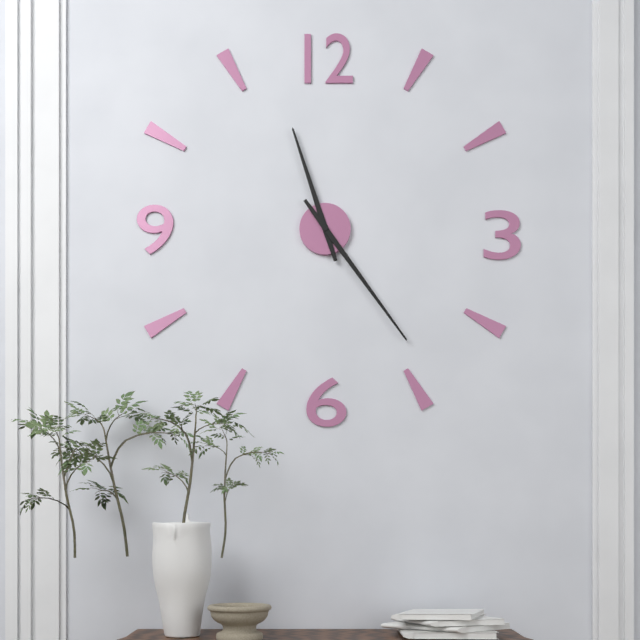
11,24
